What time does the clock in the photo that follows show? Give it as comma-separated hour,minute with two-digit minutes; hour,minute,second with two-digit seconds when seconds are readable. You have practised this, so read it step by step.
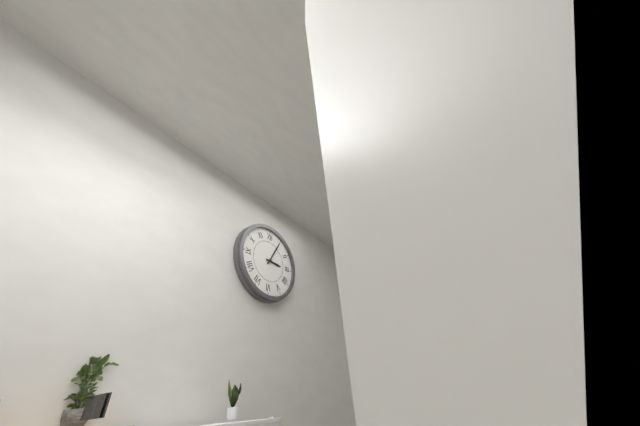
3,05
